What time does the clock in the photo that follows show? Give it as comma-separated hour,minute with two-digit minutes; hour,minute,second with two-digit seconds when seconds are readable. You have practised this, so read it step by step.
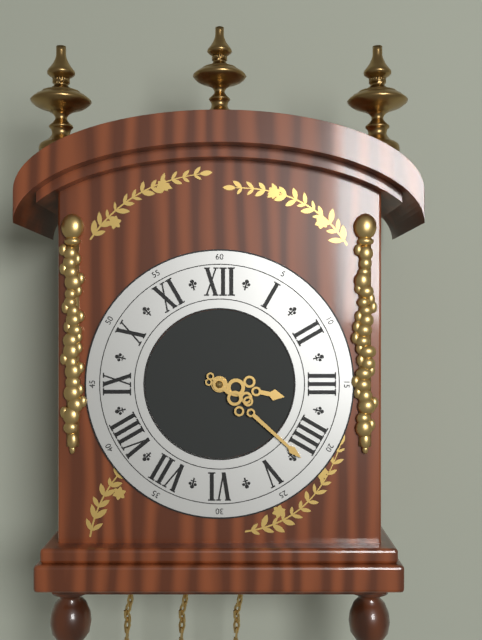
3,22
